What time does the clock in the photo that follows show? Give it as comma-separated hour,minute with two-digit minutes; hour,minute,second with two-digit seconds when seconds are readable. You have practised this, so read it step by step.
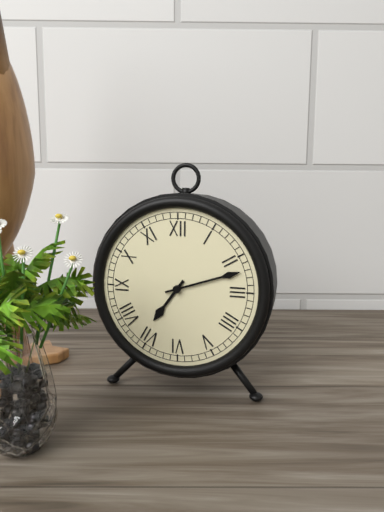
7,12
